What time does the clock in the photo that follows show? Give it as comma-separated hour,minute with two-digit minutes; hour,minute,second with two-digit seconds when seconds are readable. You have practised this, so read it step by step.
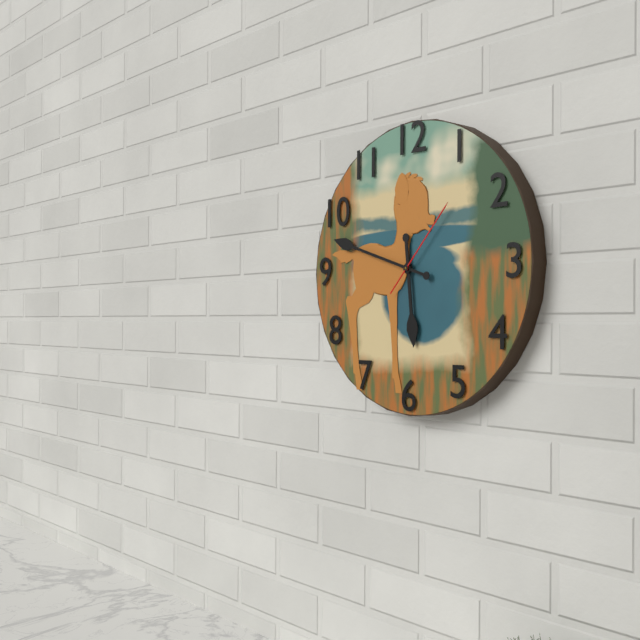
5,48,07
